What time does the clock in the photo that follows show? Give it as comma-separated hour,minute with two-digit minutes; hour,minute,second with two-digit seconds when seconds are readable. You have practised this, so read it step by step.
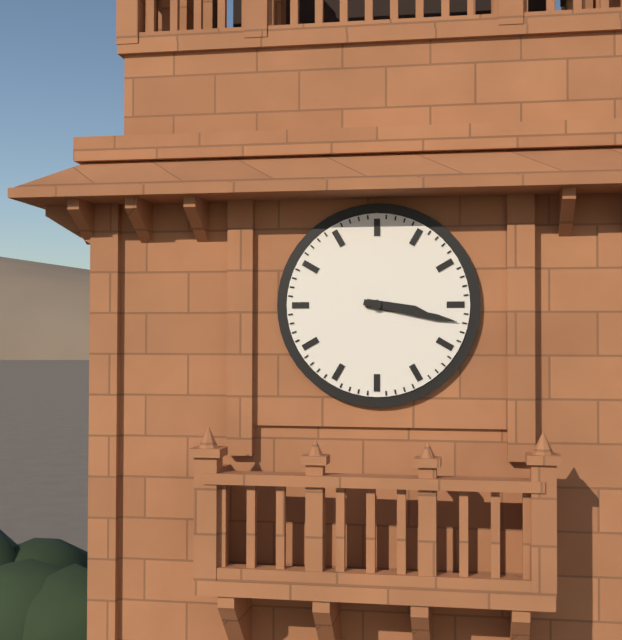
3,17
